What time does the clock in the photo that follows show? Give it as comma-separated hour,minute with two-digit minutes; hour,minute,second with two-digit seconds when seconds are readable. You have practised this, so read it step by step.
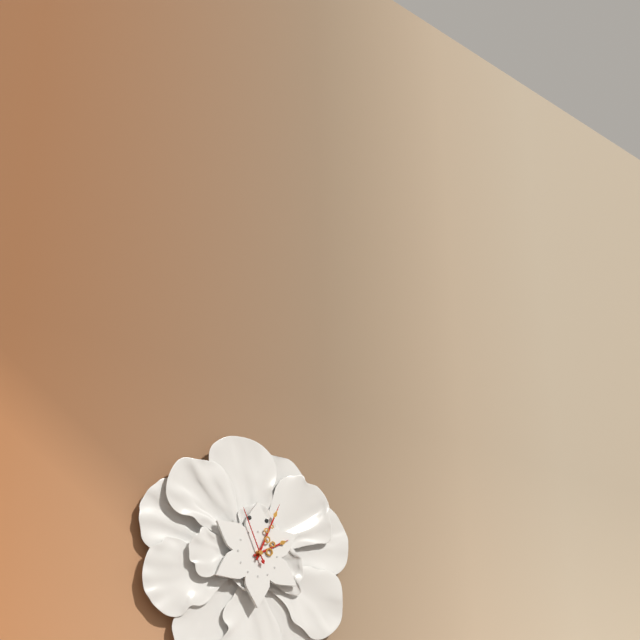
2,04,56
